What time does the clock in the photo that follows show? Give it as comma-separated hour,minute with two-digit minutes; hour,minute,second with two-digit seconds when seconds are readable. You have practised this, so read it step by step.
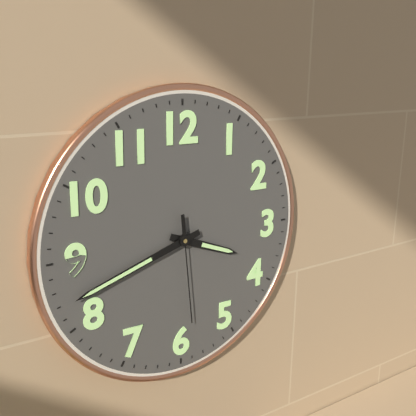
3,42,29
